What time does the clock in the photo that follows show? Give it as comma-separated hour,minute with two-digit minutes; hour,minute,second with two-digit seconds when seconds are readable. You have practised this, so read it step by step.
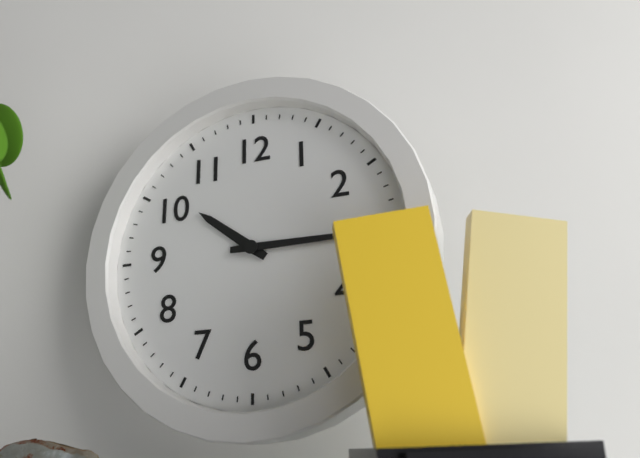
10,15
